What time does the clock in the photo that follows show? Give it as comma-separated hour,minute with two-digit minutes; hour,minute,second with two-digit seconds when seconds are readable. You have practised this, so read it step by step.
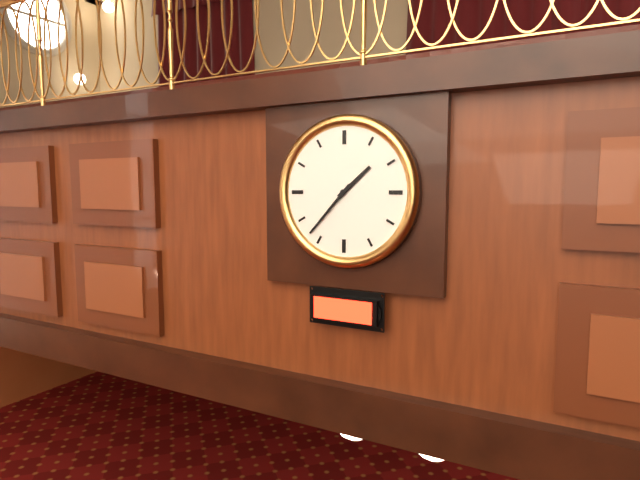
1,37
